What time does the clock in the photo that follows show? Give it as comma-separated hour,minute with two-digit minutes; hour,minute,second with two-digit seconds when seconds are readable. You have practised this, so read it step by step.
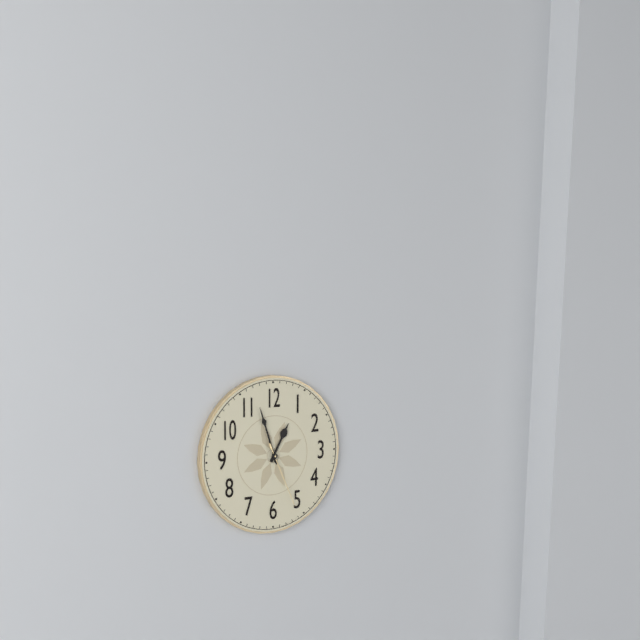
12,57,26
